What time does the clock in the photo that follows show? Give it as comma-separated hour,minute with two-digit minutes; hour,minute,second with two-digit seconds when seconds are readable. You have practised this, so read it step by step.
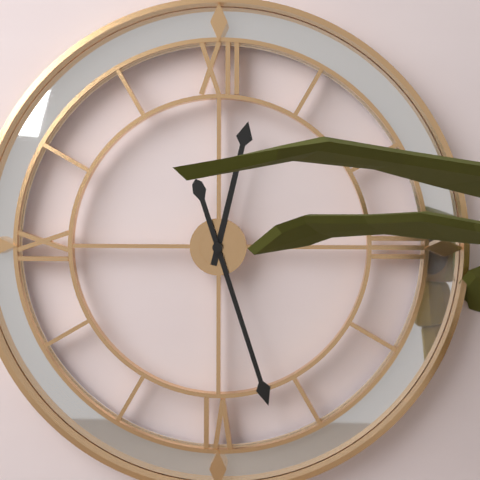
12,27
